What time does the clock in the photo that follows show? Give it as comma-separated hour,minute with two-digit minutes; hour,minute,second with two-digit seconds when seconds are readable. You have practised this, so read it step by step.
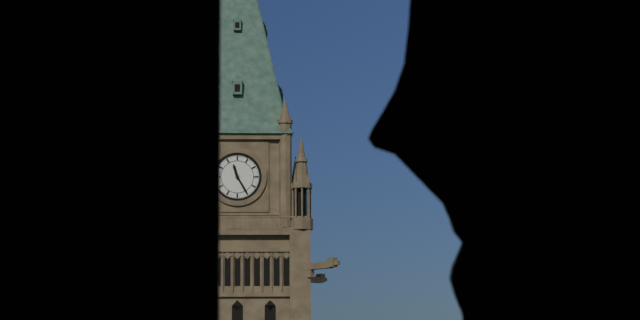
11,25
